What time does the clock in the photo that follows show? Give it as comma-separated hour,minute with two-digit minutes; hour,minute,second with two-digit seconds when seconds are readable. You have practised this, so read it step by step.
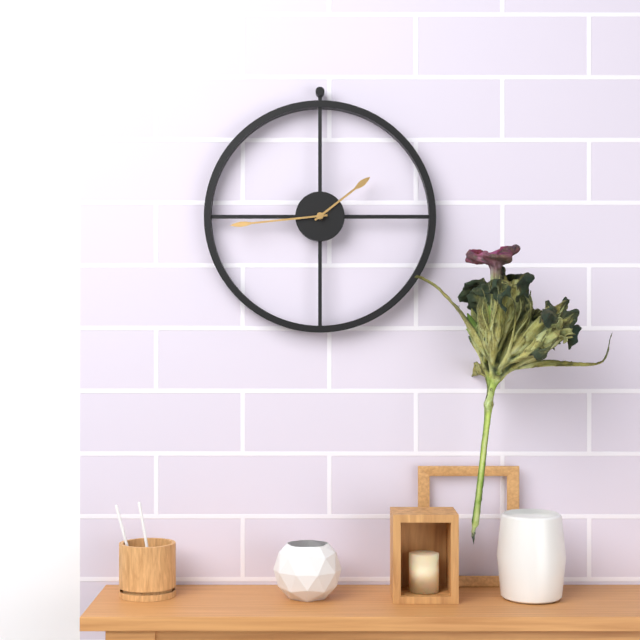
1,44
